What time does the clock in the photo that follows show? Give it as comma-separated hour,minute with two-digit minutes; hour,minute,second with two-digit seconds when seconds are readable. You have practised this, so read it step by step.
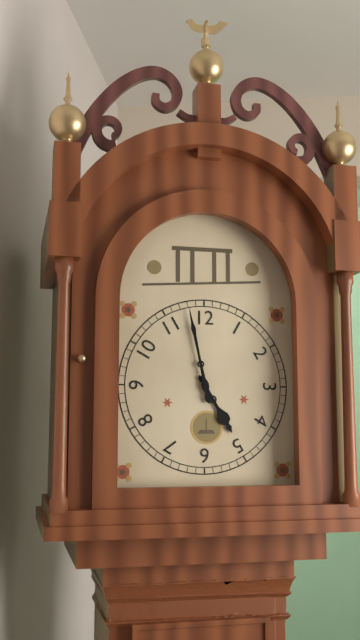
4,58
